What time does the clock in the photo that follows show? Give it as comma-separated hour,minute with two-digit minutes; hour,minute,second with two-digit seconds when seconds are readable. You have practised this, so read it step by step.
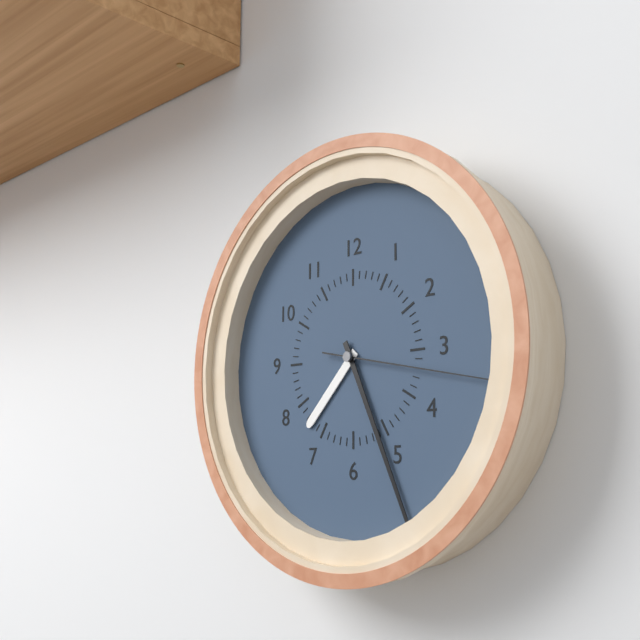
7,26,17
